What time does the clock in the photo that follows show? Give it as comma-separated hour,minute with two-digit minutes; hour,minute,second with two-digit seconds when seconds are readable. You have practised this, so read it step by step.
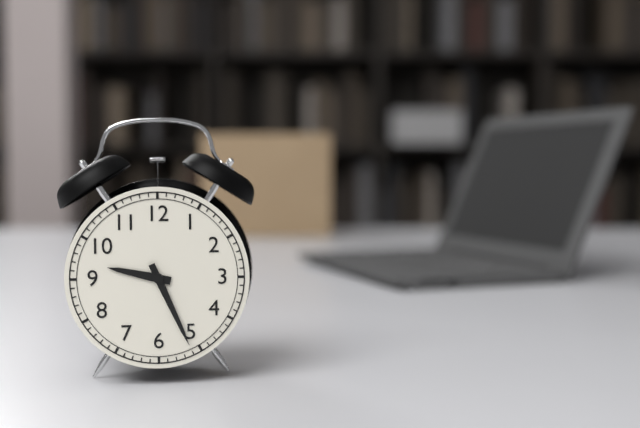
9,26
